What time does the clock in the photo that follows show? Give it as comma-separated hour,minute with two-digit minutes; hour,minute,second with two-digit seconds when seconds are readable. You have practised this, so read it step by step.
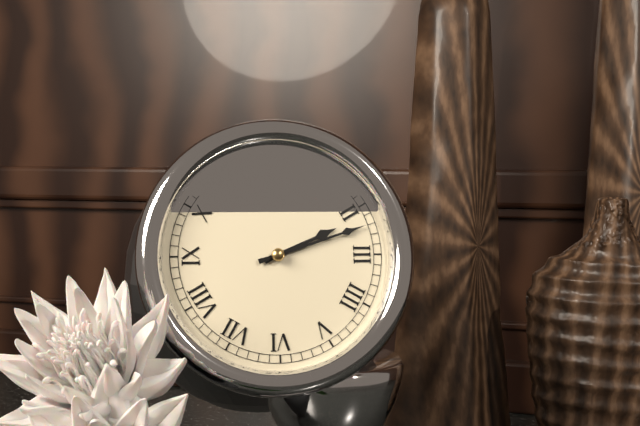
2,12
